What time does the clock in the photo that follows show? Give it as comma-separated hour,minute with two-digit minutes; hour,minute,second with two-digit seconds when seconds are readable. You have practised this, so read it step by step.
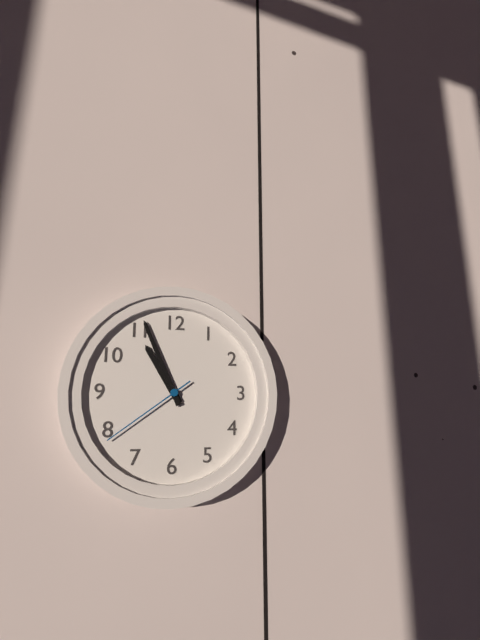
10,56,39
